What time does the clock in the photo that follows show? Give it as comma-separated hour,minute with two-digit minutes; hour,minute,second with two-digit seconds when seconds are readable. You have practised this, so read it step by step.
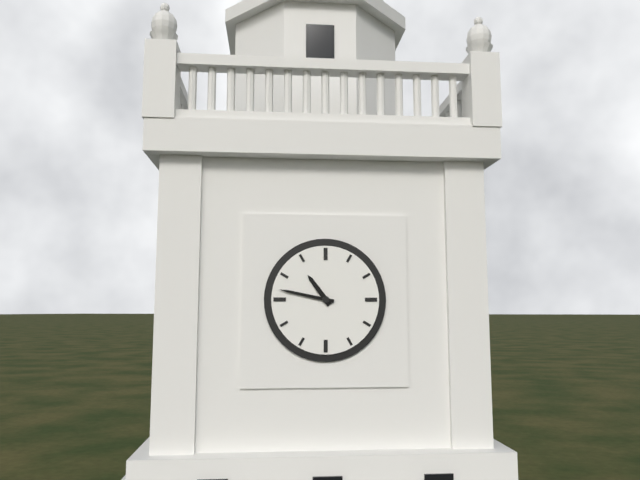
10,47
